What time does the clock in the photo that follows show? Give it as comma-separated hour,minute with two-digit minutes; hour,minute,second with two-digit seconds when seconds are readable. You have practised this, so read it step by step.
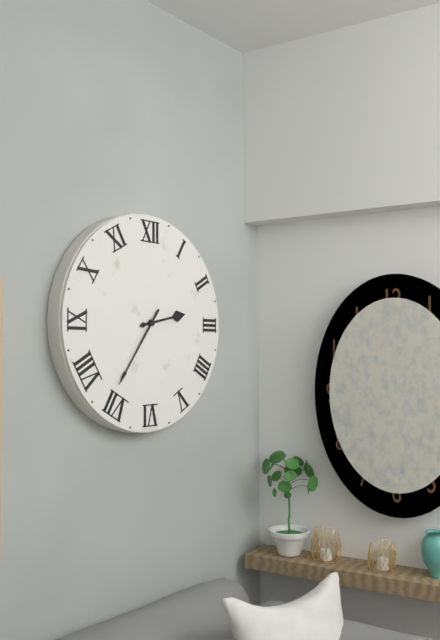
2,36
